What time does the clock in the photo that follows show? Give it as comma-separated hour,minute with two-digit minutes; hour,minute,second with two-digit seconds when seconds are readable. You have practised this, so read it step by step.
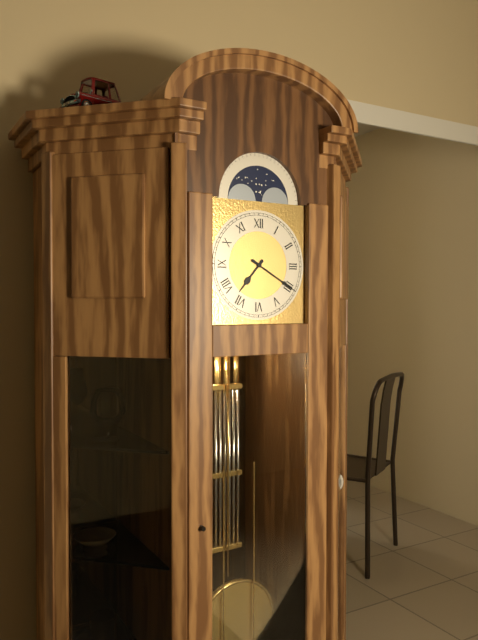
7,20
